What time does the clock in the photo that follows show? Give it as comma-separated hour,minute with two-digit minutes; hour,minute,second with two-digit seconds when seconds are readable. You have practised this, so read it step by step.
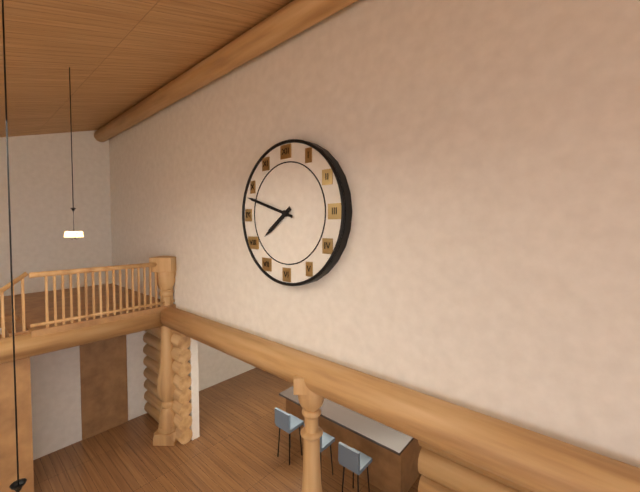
7,48
